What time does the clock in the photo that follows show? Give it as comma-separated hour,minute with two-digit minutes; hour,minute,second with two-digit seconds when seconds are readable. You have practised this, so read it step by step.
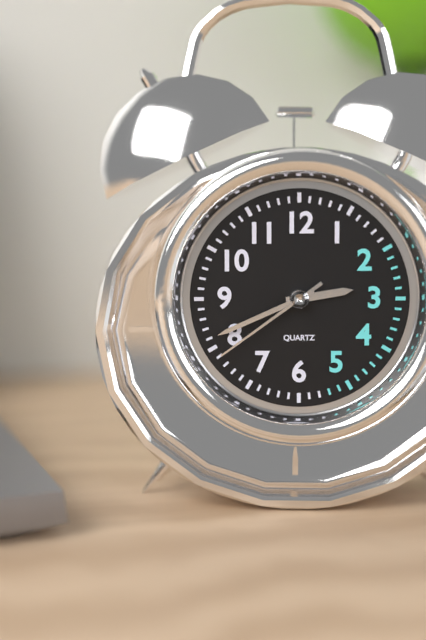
2,41,39
